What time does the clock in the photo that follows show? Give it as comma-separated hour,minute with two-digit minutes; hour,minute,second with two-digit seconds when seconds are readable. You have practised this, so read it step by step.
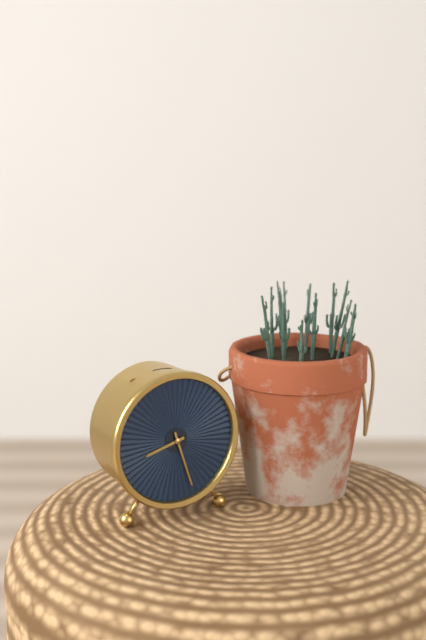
8,27
